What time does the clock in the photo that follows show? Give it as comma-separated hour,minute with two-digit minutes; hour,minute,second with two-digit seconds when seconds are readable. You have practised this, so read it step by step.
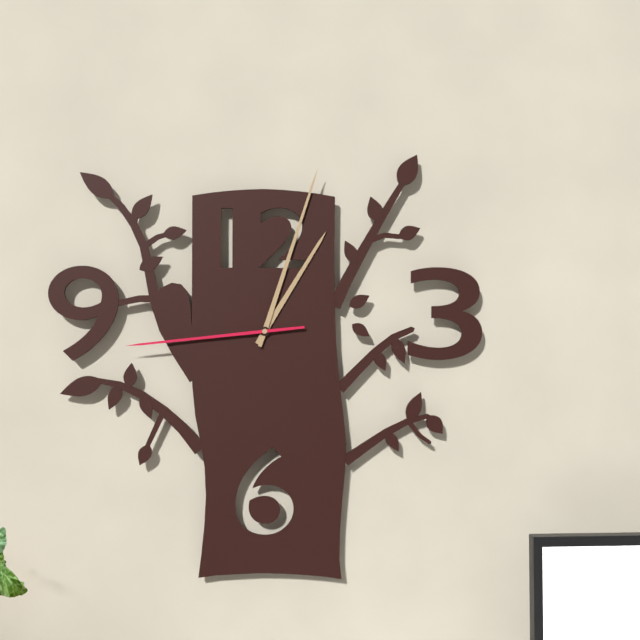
1,03,44
